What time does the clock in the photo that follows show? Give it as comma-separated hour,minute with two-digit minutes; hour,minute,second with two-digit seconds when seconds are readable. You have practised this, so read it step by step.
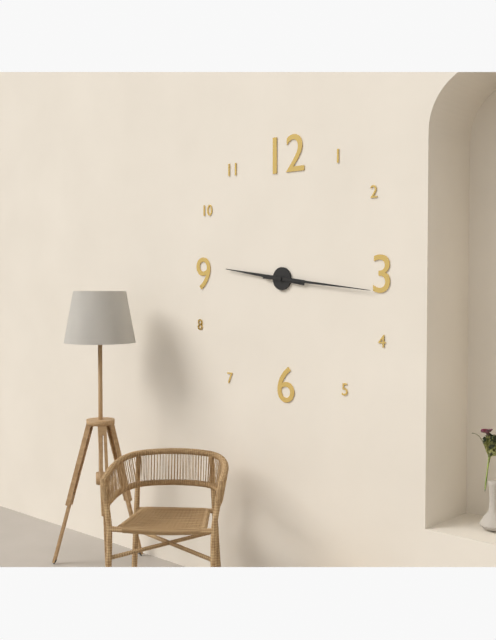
9,16
